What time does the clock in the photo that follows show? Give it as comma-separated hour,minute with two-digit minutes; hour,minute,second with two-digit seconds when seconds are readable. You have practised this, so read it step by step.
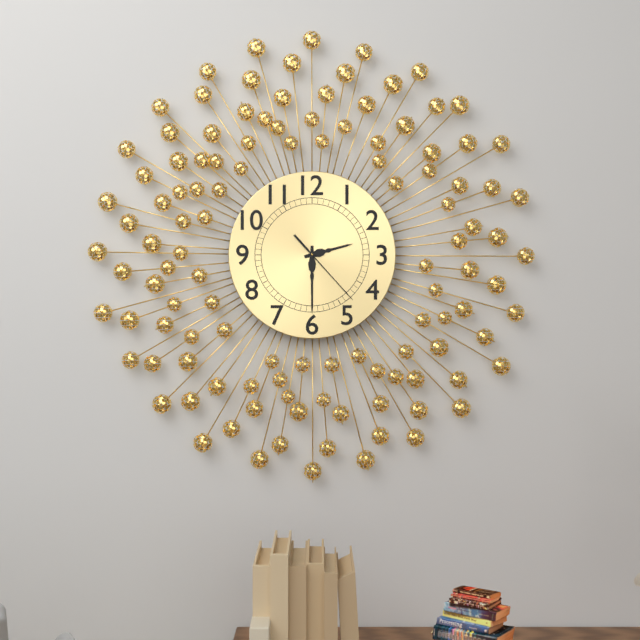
2,30,23
